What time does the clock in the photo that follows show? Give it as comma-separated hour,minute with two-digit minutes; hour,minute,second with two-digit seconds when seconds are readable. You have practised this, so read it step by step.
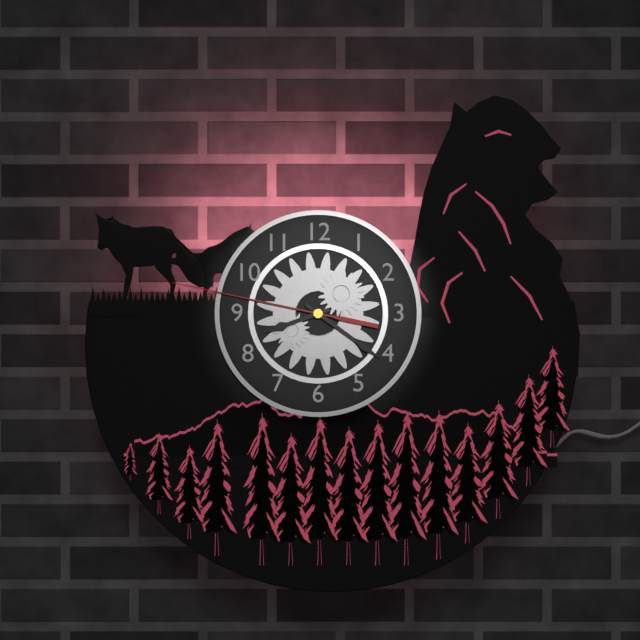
8,21,47
